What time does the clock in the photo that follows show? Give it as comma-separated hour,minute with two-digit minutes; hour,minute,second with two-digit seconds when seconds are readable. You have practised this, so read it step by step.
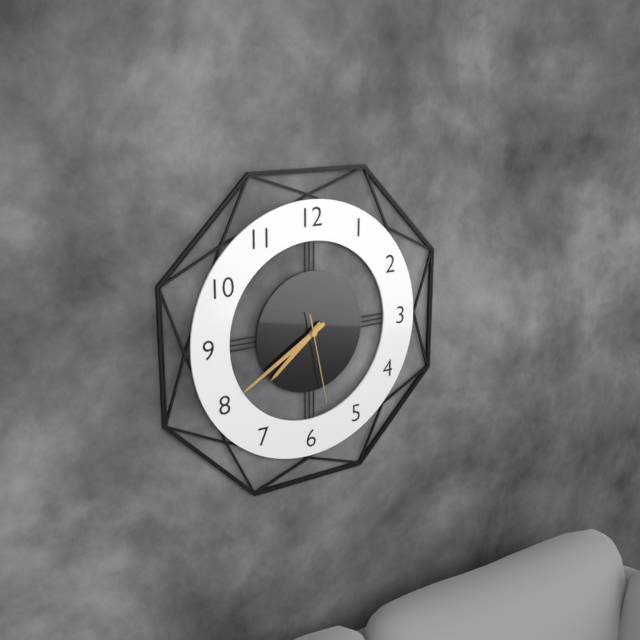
7,40,28
